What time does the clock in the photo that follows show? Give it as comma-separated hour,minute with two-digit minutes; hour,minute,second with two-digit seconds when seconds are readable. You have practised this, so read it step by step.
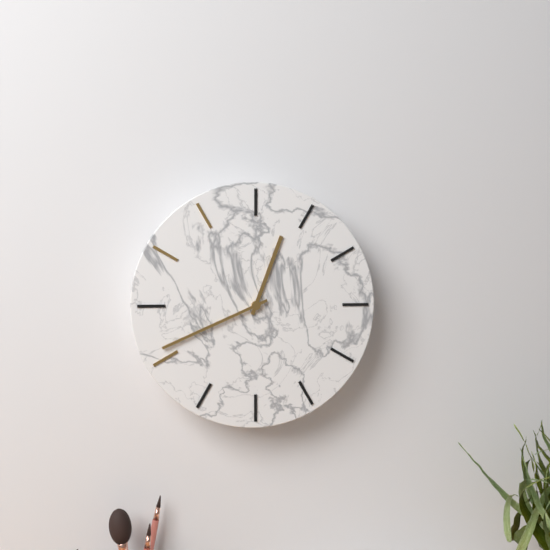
12,41
